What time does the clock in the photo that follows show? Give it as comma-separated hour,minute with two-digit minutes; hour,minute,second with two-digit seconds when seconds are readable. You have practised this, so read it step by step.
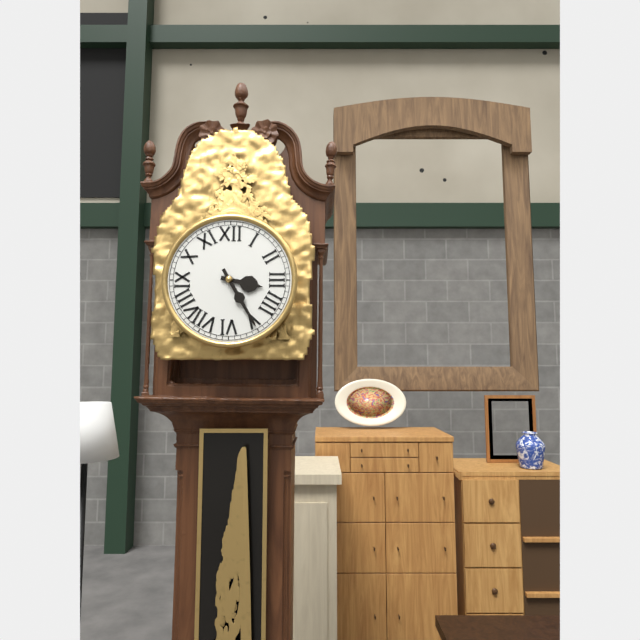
3,25
